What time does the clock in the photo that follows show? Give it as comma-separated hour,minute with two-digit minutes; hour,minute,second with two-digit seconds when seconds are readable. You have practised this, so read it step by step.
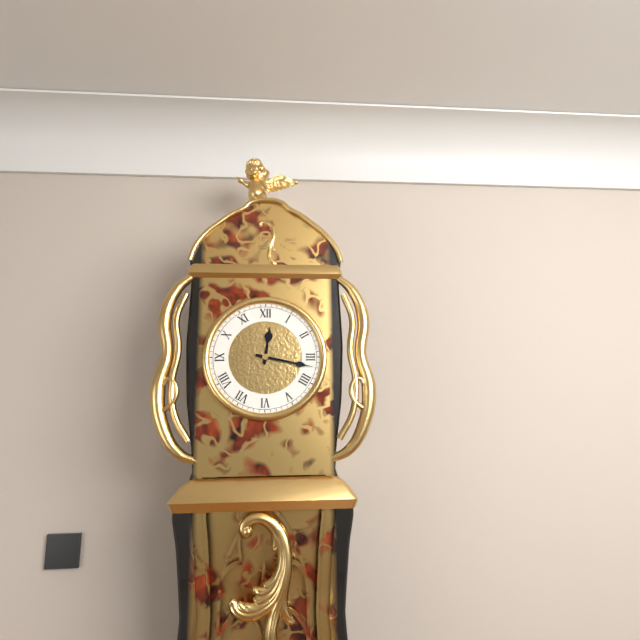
12,17
